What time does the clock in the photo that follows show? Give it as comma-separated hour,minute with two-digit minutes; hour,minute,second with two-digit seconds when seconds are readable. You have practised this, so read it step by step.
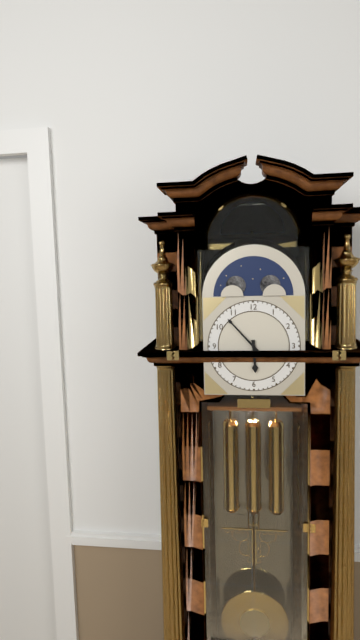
5,53
